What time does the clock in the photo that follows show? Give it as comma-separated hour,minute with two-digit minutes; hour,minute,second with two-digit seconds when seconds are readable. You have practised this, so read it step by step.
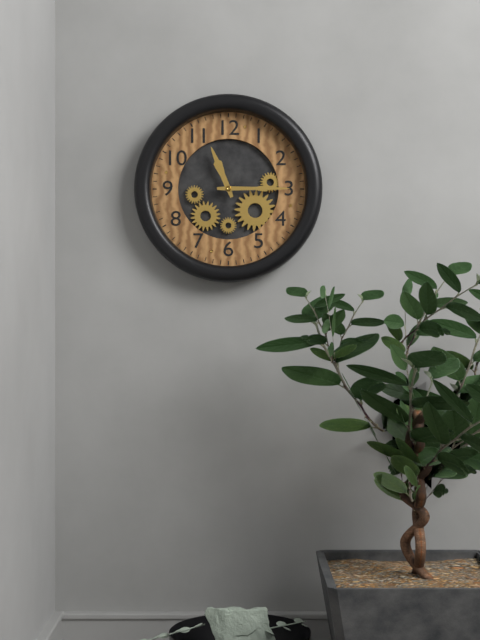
11,15
